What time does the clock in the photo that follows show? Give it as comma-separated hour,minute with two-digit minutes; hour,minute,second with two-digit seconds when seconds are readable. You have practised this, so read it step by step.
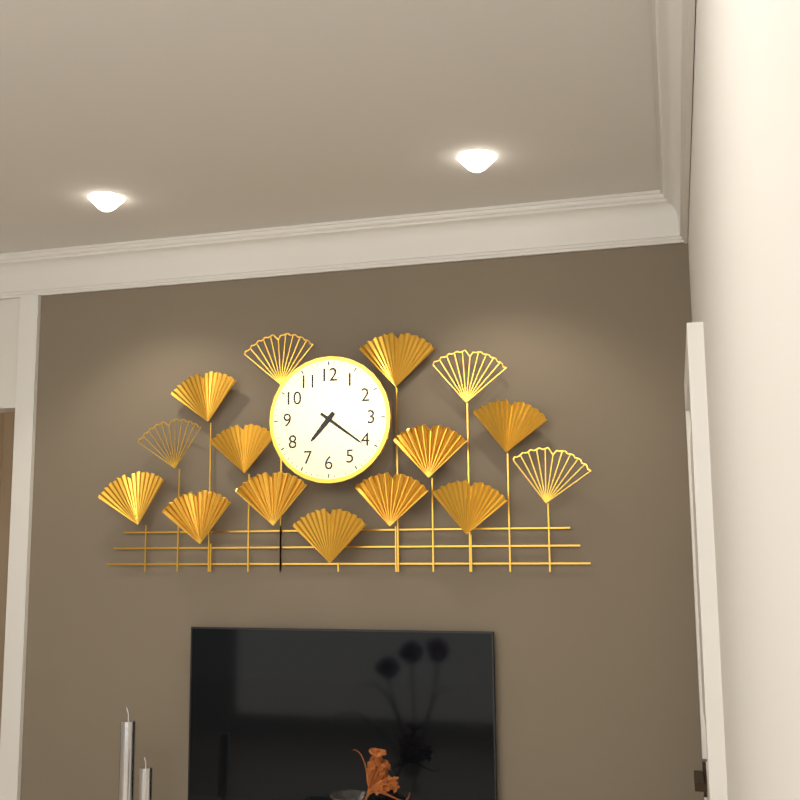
7,21
